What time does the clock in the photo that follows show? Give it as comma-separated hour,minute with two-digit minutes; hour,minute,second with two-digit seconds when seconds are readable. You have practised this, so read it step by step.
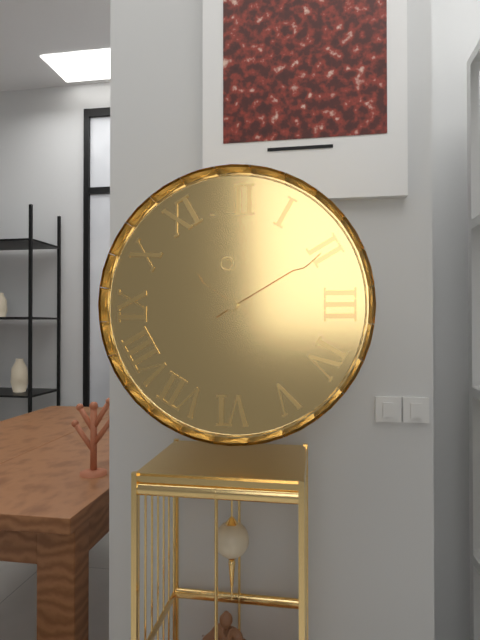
10,10
